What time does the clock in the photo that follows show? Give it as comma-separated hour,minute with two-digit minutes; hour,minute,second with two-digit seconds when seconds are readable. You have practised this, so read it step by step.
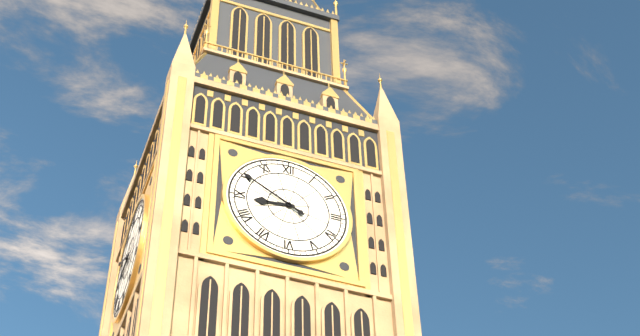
8,50
